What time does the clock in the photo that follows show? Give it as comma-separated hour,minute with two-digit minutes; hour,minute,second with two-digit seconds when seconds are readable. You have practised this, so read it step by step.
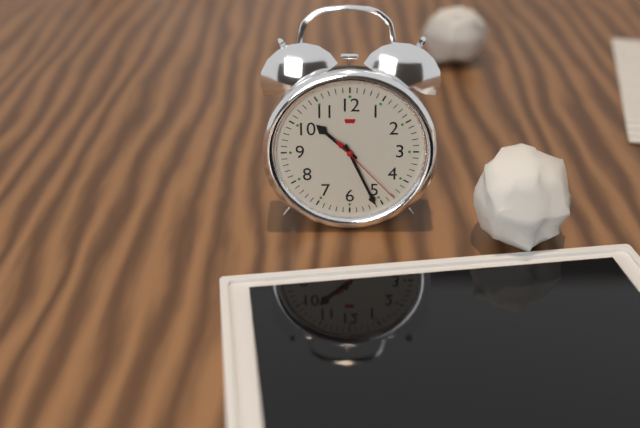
10,26,23
